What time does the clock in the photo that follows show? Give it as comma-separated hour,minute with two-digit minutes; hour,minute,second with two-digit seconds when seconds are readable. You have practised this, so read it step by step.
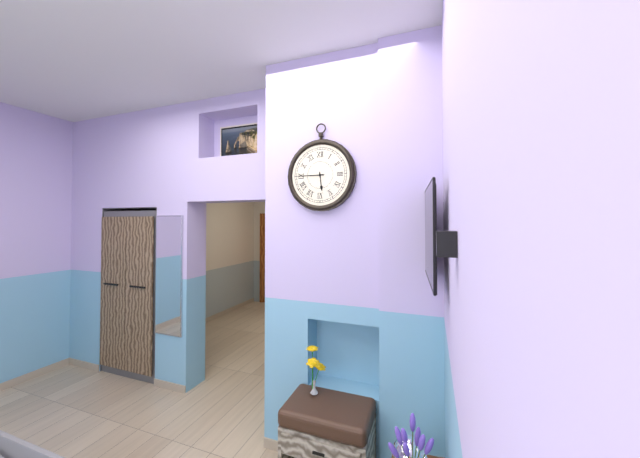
5,45
